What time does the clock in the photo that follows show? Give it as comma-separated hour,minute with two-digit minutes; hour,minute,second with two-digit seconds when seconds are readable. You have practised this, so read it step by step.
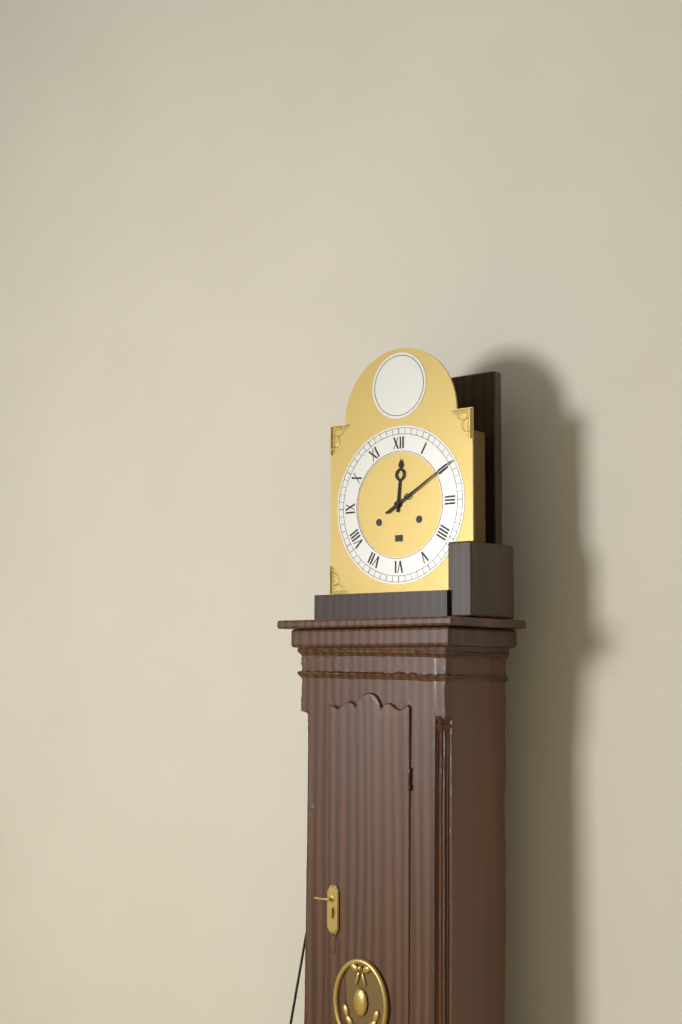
12,10
